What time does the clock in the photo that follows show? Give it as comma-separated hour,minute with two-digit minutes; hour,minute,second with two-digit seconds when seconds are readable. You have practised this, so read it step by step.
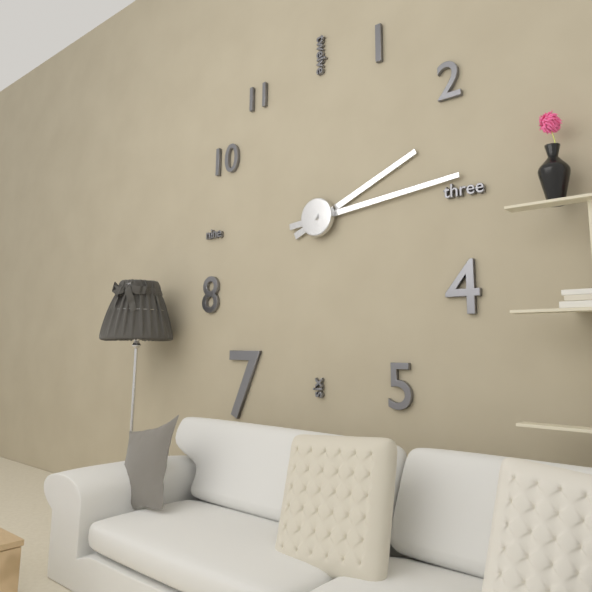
2,14
